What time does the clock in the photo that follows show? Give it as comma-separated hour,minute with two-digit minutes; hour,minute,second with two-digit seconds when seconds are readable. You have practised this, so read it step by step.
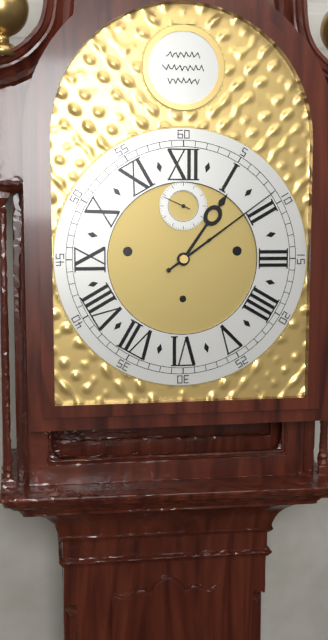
1,09
